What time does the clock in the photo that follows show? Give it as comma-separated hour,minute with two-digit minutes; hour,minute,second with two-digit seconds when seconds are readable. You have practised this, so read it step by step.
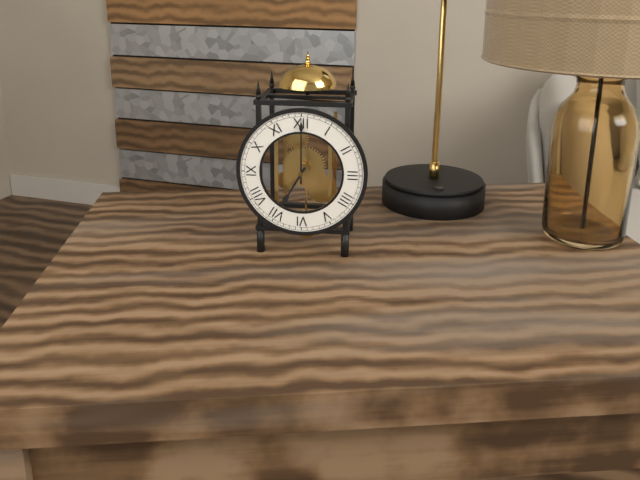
7,00
